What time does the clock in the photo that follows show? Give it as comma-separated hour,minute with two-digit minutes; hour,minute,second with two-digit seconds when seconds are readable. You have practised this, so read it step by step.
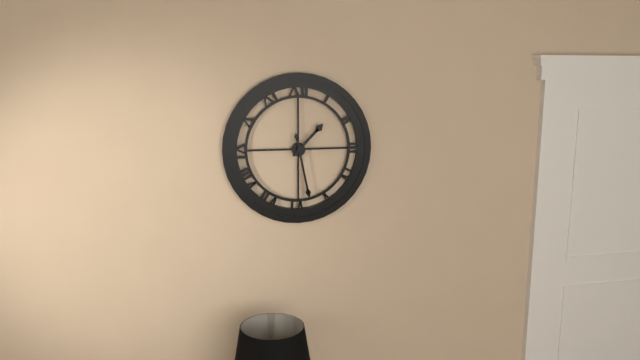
1,28
